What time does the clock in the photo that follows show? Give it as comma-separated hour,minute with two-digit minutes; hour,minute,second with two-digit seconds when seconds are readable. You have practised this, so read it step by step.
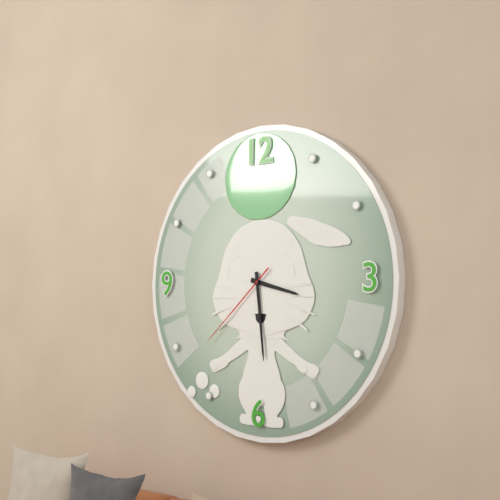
3,29,38
